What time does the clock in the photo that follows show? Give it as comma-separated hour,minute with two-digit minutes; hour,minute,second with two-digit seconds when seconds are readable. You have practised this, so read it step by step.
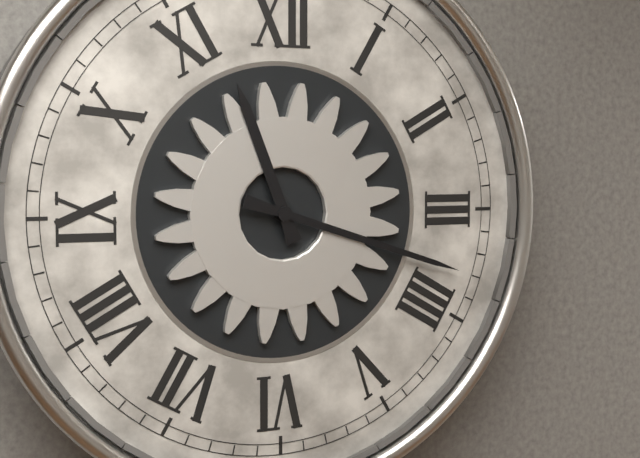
11,18
